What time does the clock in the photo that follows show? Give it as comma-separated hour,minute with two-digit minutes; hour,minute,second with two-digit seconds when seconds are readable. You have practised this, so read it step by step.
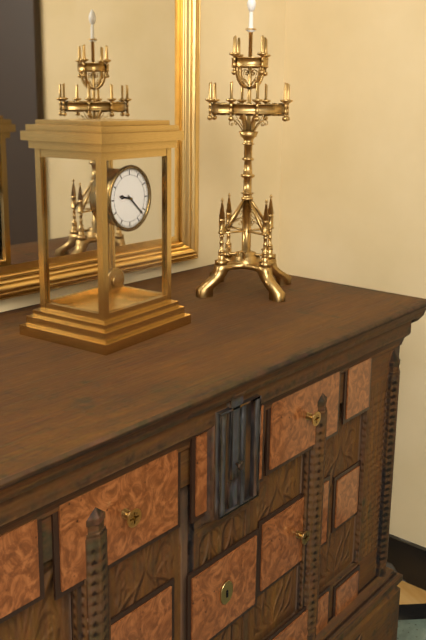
9,22
